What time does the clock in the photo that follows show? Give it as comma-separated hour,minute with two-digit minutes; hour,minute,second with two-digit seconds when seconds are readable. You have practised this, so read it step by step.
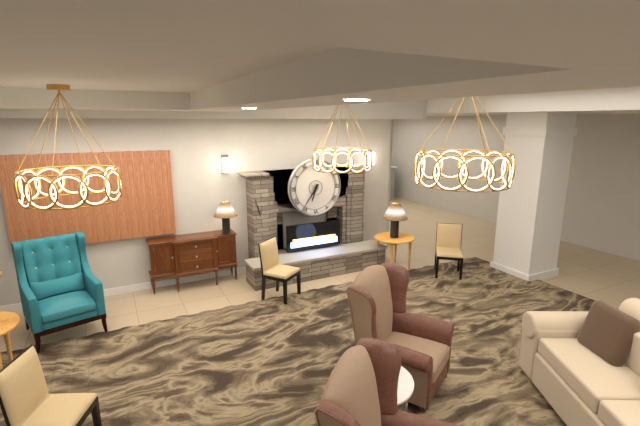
6,36
